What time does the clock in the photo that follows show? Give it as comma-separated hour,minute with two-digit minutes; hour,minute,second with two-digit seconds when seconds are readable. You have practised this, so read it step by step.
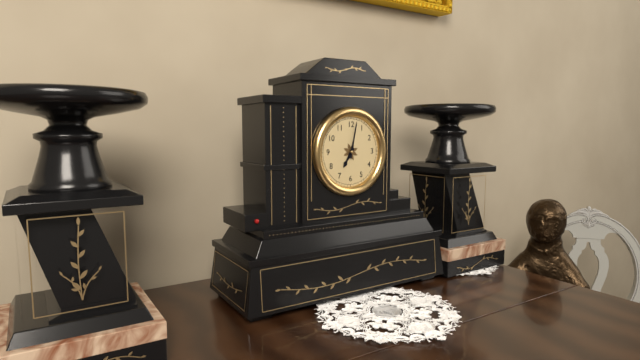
7,02
